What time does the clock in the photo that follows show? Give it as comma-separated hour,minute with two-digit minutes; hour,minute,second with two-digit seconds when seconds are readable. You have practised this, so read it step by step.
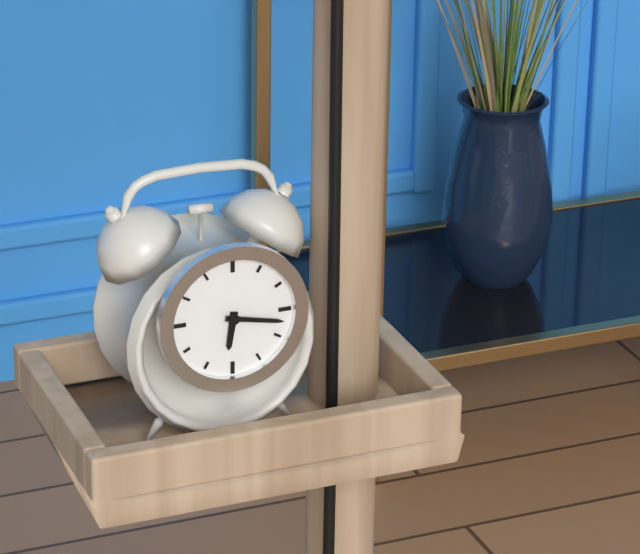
6,17
